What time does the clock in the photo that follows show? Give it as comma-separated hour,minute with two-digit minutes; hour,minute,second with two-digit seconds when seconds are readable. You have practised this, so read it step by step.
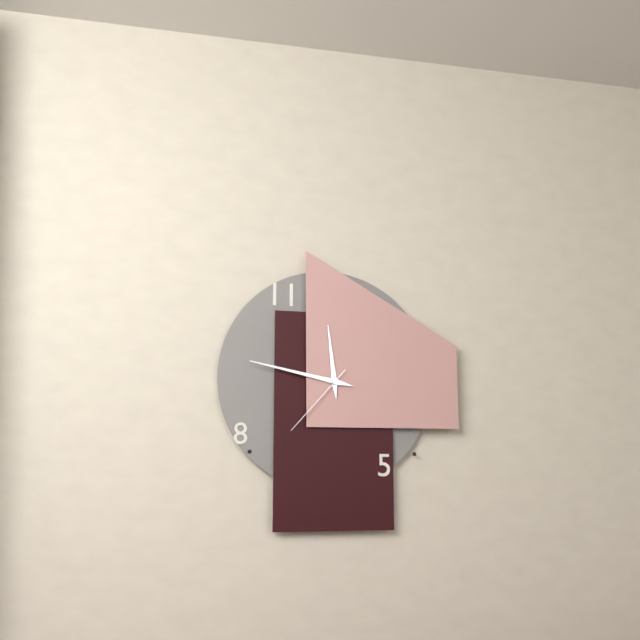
11,47,37
